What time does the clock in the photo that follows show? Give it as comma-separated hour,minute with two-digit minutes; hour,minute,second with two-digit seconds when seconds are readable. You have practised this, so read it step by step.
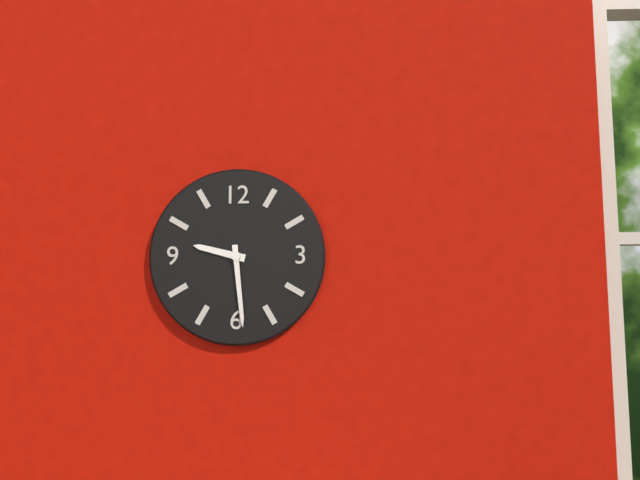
9,29
